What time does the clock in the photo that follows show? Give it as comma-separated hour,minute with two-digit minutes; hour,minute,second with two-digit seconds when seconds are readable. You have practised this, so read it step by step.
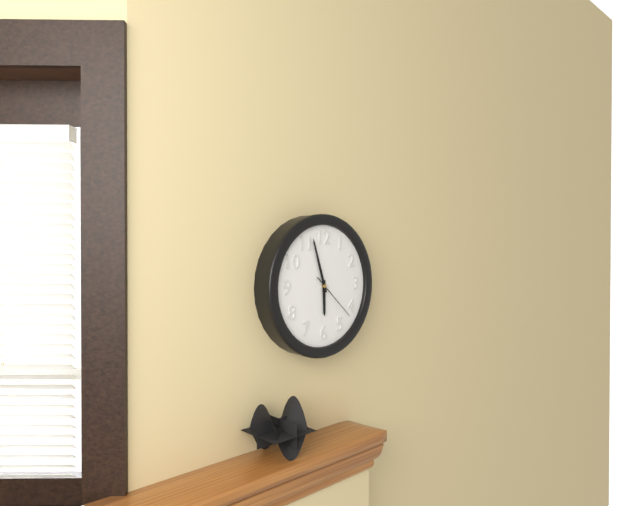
5,57,22
